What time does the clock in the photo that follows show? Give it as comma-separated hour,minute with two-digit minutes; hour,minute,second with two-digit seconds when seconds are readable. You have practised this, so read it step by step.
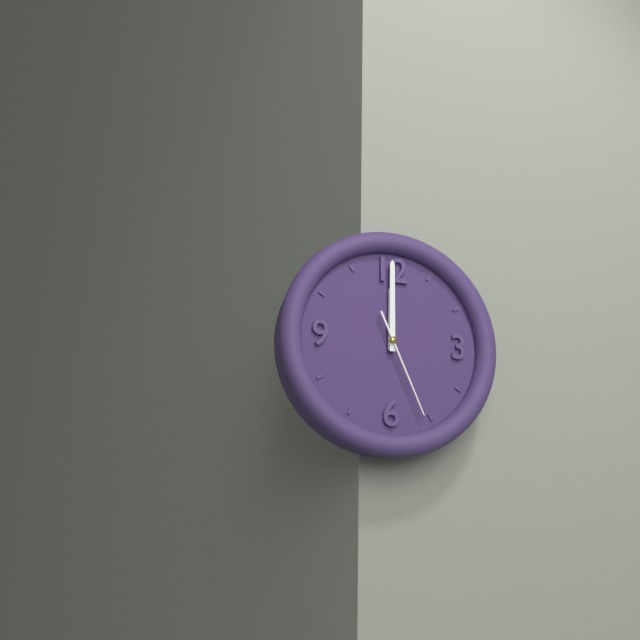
12,00,26
